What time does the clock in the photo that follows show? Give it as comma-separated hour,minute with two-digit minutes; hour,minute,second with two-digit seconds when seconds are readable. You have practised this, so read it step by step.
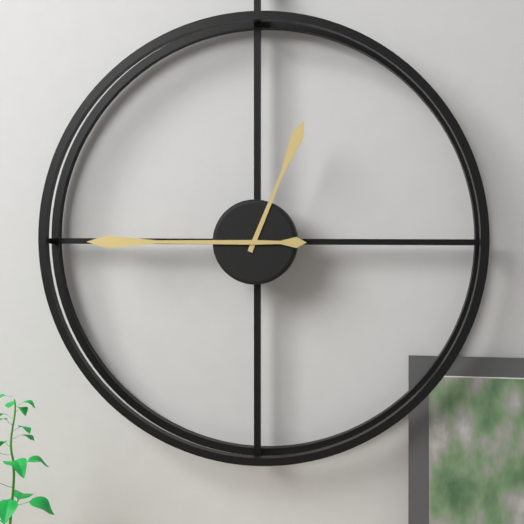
12,45
